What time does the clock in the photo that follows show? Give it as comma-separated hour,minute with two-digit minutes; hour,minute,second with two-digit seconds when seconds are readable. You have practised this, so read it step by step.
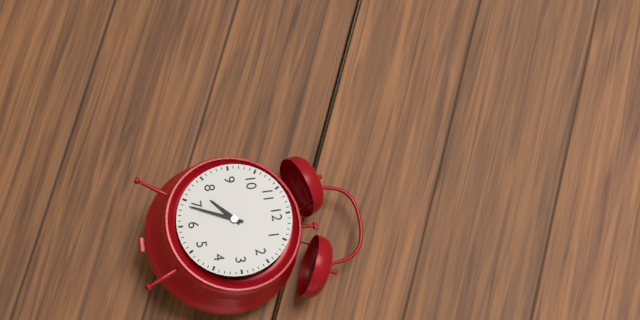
7,34
